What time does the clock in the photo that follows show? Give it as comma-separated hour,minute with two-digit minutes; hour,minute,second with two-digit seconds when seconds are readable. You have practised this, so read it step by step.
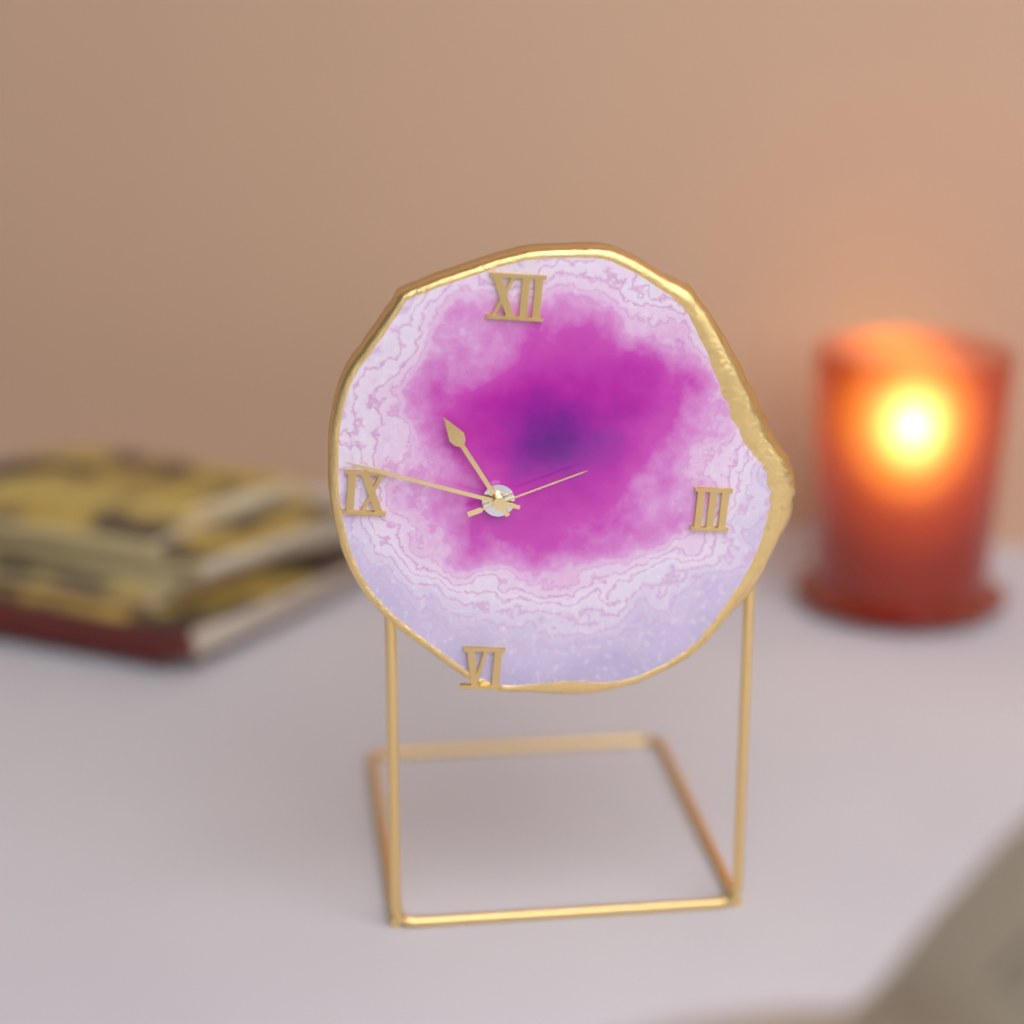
10,47,11
